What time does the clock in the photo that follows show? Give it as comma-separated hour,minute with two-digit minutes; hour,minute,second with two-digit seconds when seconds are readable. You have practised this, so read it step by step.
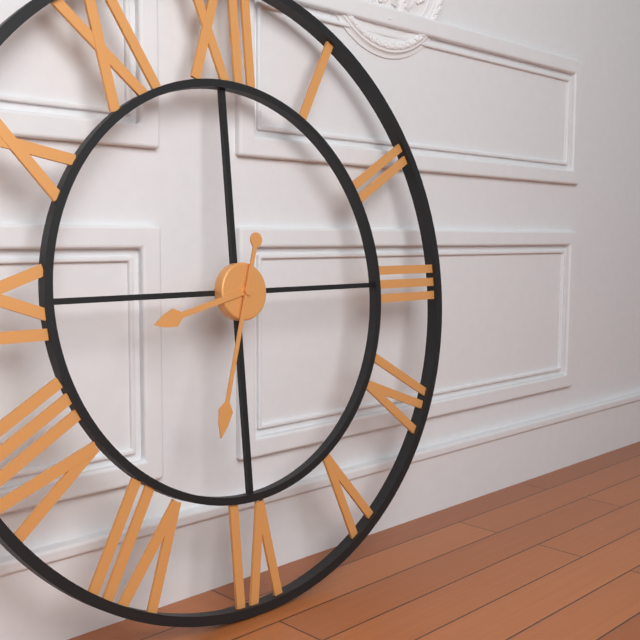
8,33
